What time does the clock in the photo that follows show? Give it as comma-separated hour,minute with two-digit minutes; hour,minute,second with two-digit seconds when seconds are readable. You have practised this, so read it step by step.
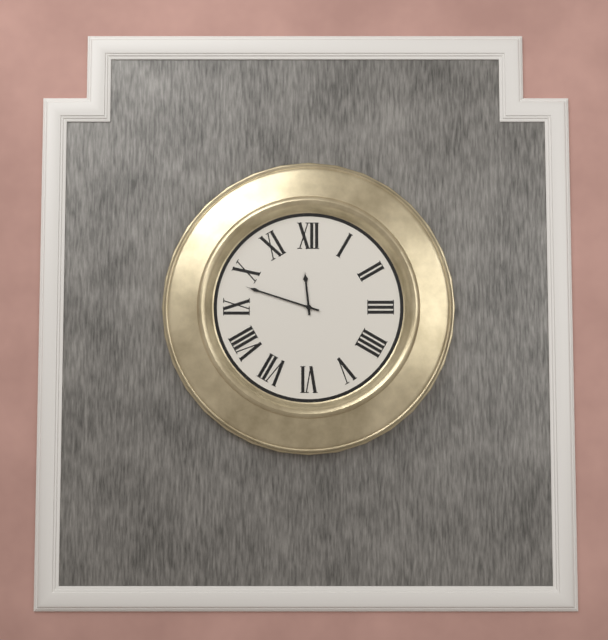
11,48
